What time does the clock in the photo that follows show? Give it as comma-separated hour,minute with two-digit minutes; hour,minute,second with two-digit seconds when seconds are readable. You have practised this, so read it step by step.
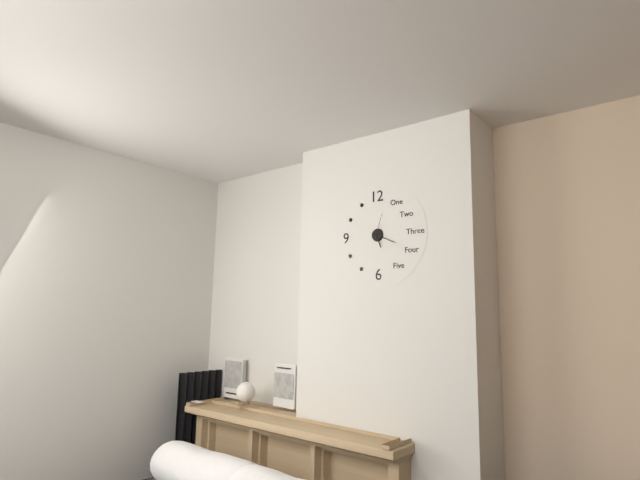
5,19
